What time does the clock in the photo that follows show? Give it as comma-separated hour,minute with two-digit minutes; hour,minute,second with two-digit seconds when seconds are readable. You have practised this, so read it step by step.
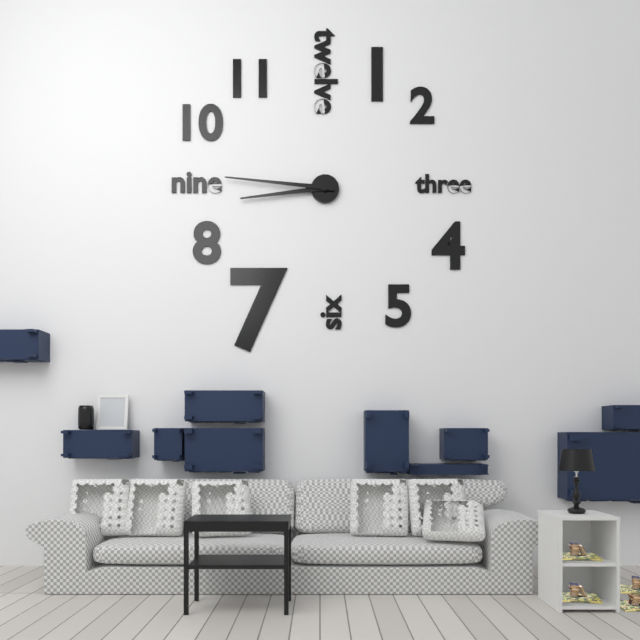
8,46
